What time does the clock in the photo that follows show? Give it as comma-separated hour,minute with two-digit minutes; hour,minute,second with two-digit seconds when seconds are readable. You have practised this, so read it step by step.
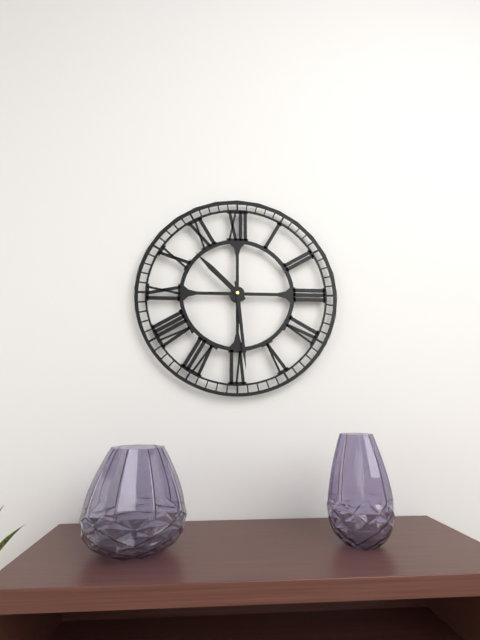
10,29
